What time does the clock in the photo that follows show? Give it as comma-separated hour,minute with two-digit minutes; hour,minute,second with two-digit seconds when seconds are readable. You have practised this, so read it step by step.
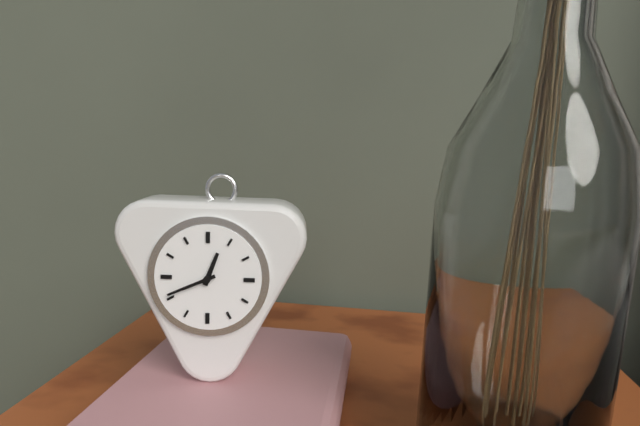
12,41
